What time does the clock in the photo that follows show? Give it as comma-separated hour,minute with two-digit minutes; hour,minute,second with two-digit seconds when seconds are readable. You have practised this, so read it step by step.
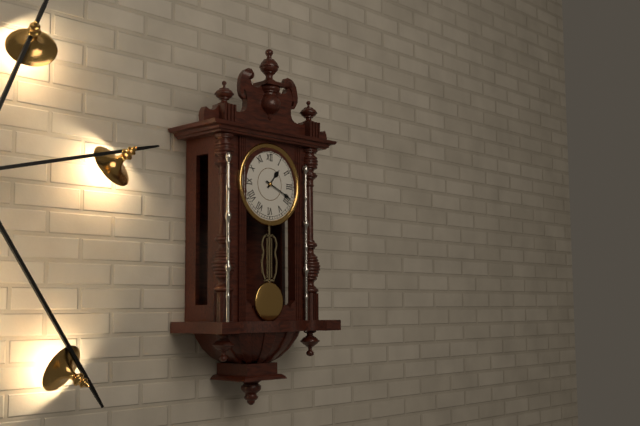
1,19
